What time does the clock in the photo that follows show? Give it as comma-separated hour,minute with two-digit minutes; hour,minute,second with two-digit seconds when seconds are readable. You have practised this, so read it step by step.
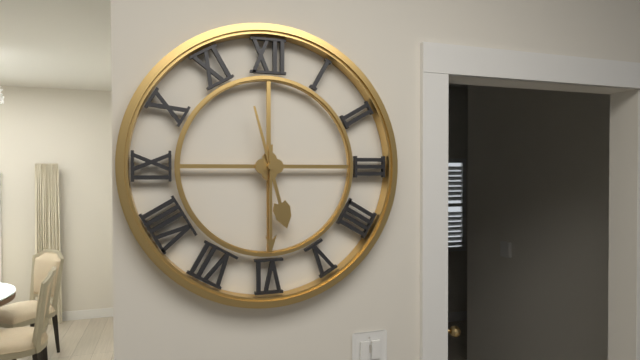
5,30
